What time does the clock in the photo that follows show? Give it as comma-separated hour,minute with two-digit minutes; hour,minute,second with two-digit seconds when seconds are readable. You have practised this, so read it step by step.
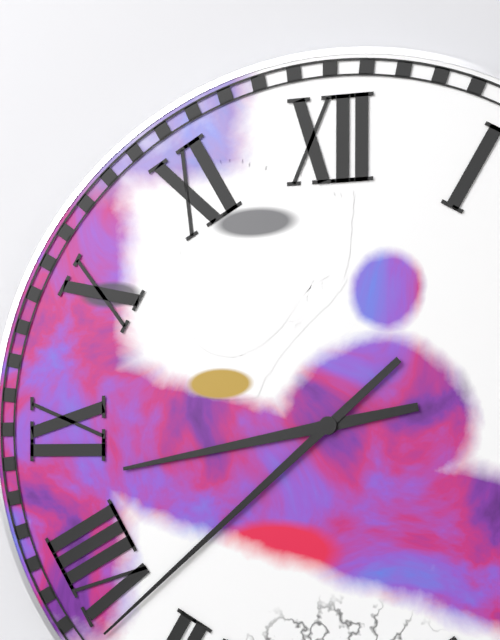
8,38
